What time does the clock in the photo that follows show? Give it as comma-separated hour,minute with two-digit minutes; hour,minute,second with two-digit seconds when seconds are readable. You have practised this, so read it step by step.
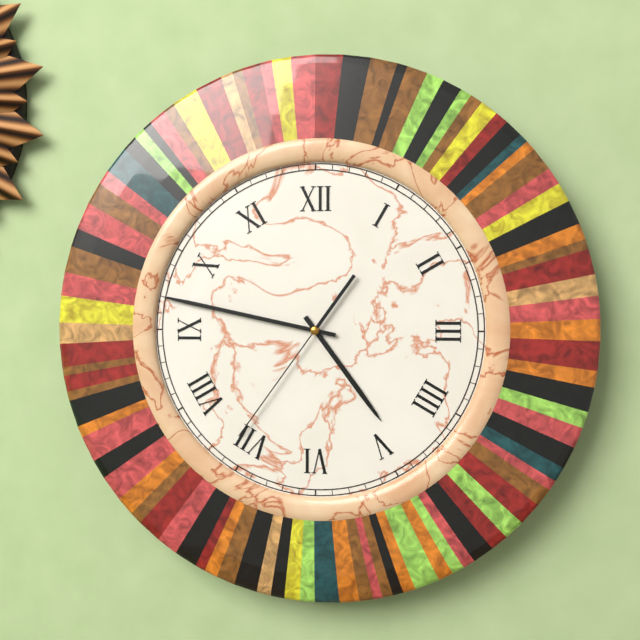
4,47,36
